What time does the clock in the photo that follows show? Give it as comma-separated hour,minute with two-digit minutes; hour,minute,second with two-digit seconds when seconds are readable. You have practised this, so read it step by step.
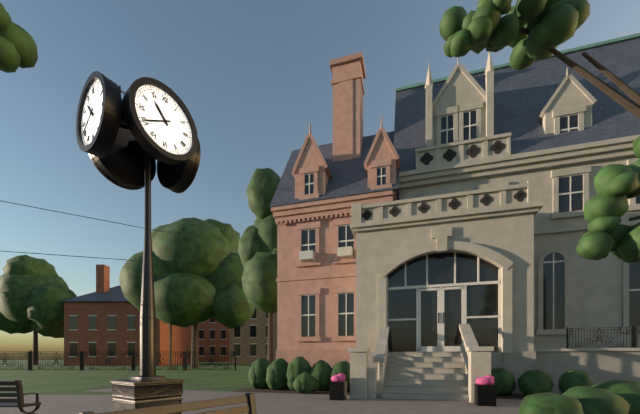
10,40
